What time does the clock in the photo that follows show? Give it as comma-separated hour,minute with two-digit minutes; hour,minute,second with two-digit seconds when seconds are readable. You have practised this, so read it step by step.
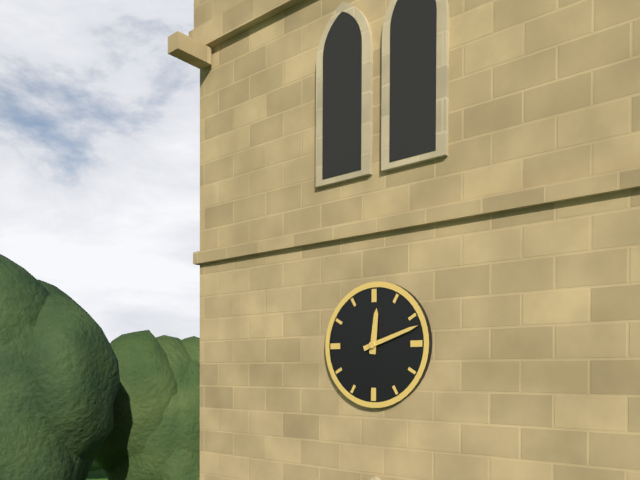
12,12
